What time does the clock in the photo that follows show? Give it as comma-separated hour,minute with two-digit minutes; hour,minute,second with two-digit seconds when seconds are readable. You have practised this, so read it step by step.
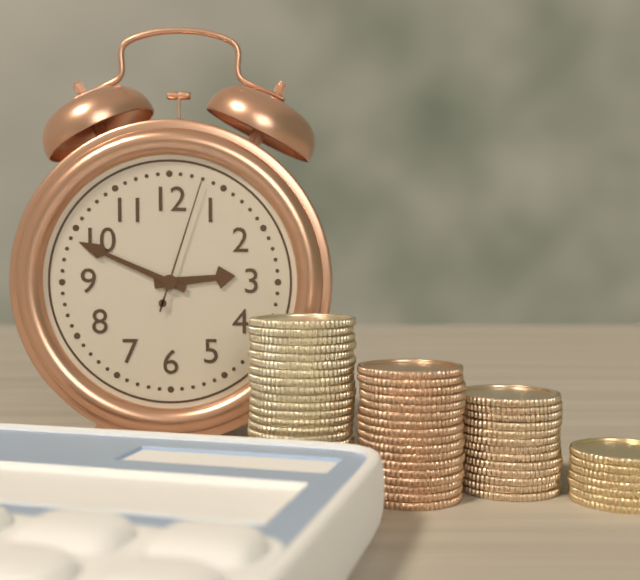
2,49,03
